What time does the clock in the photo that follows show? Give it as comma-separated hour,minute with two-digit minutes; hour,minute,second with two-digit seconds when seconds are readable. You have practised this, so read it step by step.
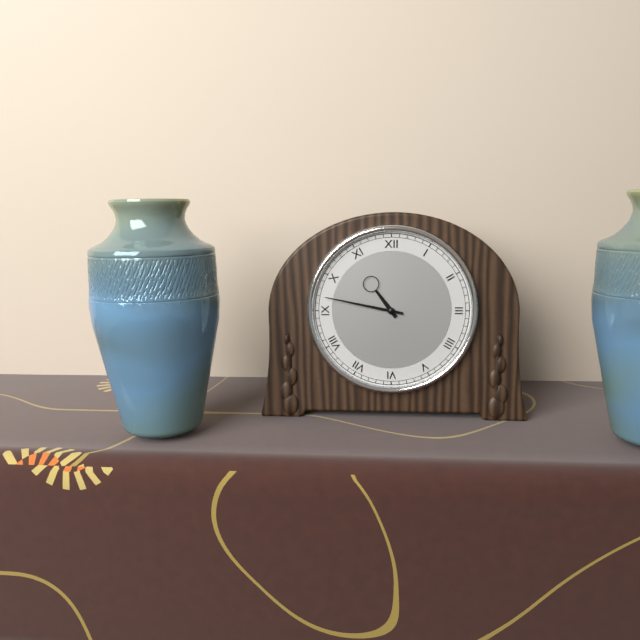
10,47
